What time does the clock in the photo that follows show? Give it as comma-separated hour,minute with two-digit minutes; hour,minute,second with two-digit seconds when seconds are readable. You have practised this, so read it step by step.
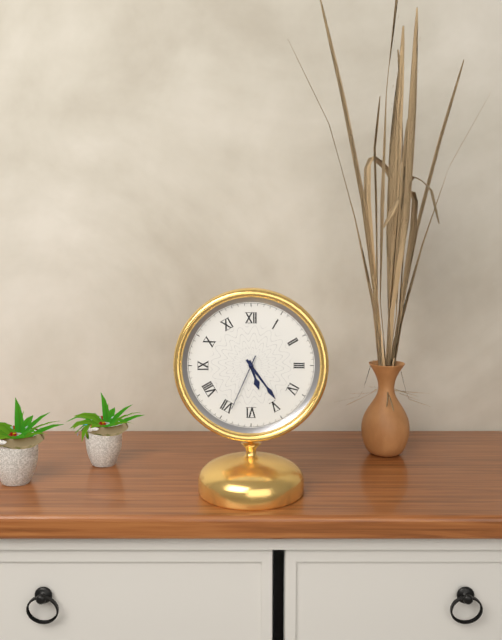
5,24,34
